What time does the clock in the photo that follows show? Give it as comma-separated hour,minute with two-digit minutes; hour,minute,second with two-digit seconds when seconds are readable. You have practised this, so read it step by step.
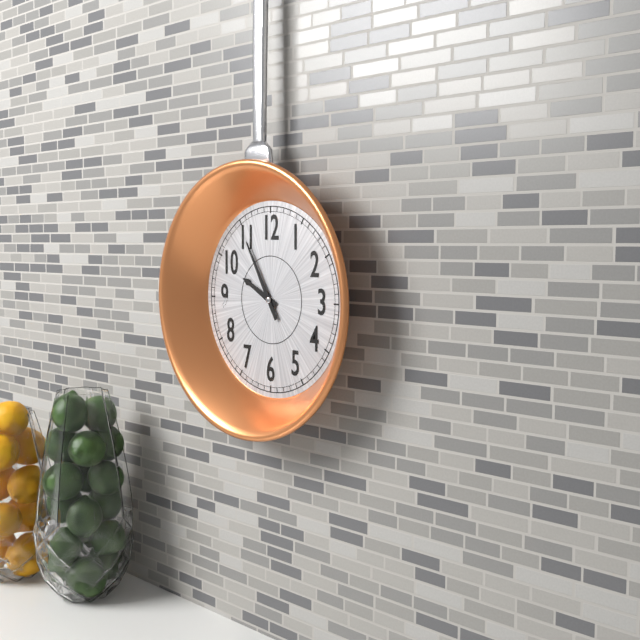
9,55
